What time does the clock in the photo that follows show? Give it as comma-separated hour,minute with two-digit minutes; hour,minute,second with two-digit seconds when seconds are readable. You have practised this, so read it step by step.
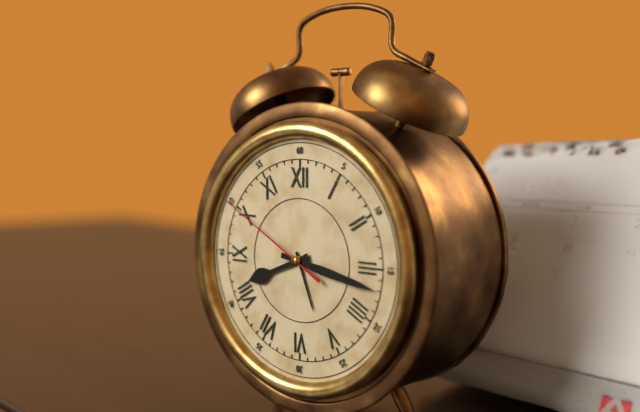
8,17,50
